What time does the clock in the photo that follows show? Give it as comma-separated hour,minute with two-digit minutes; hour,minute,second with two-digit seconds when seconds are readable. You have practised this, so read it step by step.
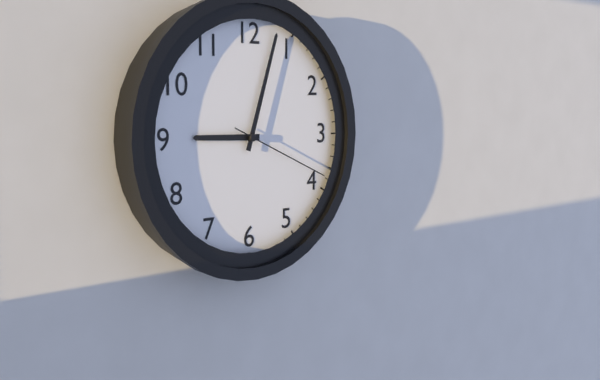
9,03,19
